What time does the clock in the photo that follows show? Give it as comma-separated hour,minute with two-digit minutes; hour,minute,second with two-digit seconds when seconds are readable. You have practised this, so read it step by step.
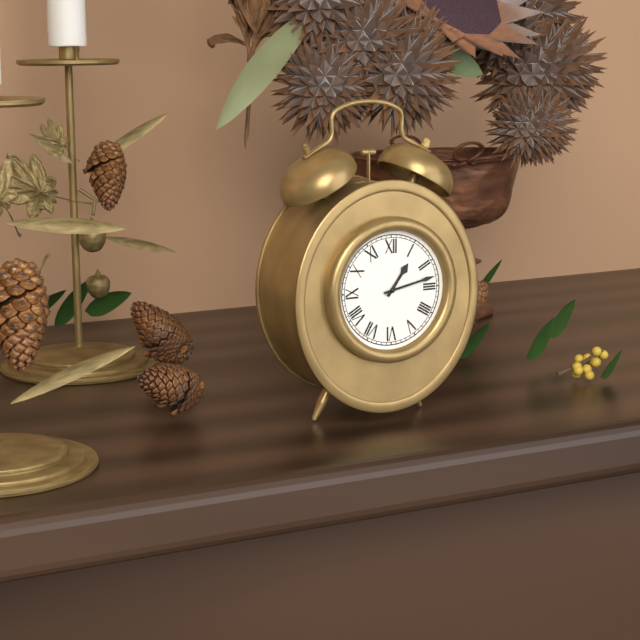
1,13
